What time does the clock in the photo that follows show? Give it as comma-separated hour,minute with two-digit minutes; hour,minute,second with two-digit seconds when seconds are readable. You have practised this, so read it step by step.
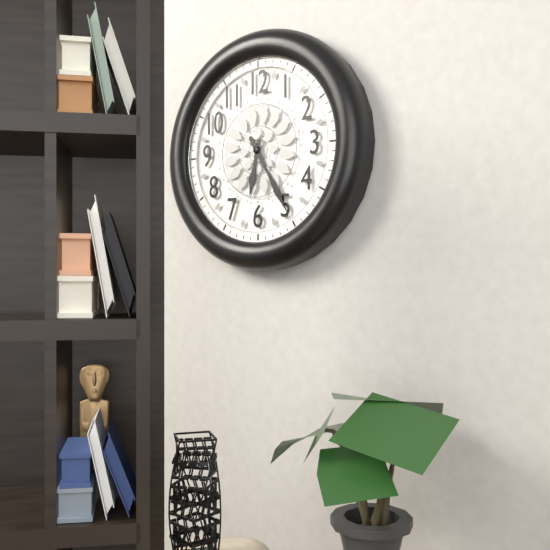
6,25
